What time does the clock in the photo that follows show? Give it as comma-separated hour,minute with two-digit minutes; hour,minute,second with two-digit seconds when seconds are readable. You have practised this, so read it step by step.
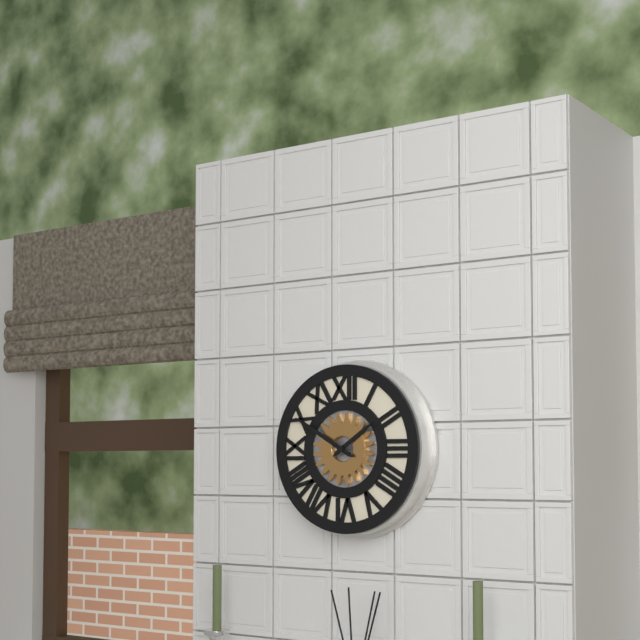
1,50
